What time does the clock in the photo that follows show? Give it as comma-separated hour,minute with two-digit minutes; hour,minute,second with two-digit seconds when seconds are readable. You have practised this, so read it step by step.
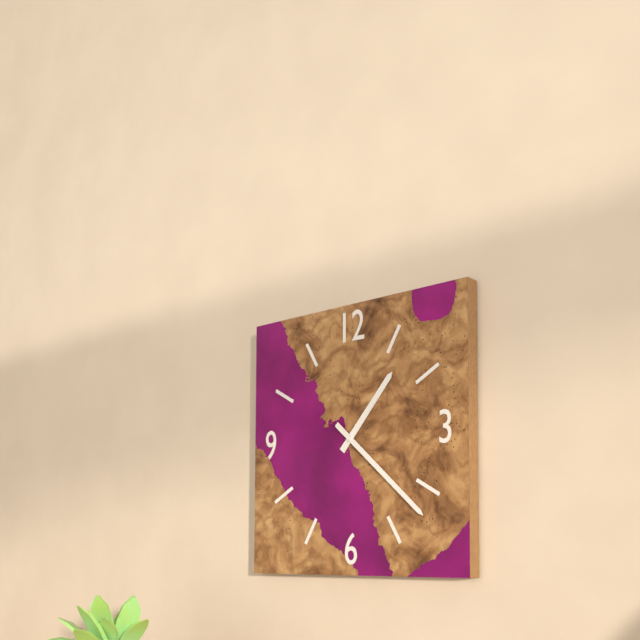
1,22
